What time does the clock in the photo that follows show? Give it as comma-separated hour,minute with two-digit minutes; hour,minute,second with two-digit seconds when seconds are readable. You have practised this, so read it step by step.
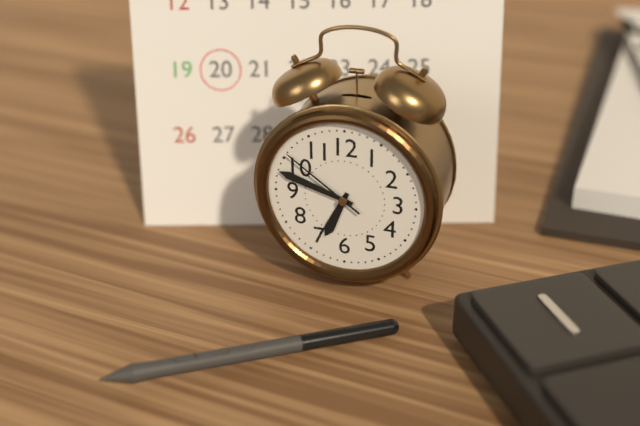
6,48,51
